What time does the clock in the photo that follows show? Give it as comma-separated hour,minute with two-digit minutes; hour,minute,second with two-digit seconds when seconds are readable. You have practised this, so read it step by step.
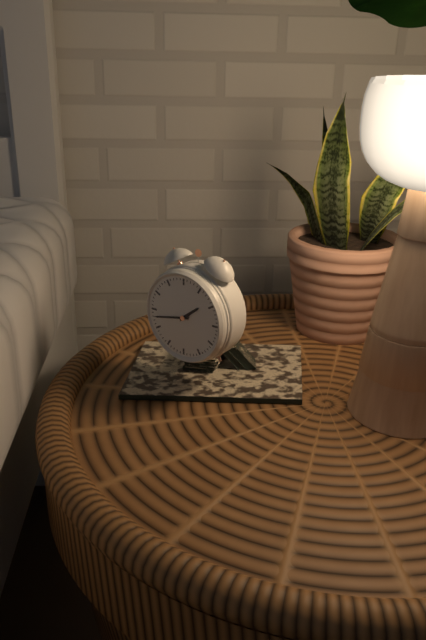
1,43
